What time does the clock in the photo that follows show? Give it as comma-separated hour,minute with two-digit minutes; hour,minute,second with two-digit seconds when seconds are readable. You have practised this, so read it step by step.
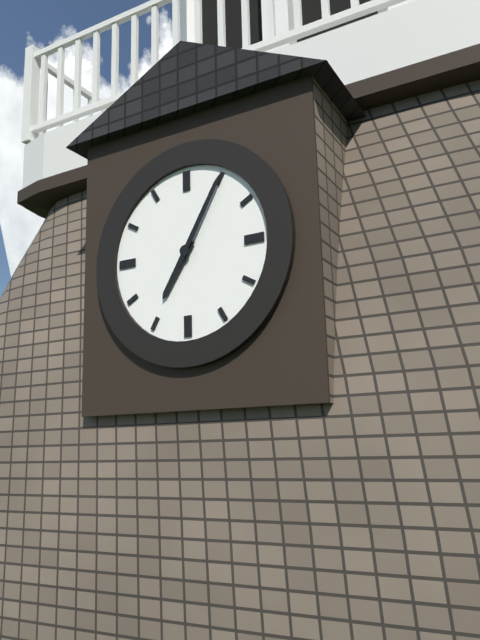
7,05
